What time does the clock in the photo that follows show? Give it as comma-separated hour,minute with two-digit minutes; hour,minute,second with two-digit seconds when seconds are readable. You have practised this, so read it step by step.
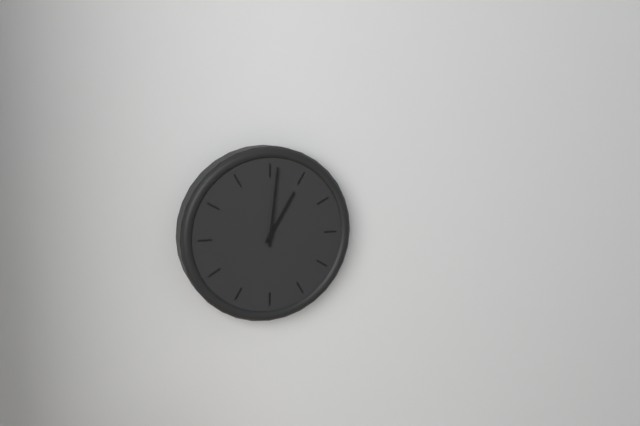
1,01
